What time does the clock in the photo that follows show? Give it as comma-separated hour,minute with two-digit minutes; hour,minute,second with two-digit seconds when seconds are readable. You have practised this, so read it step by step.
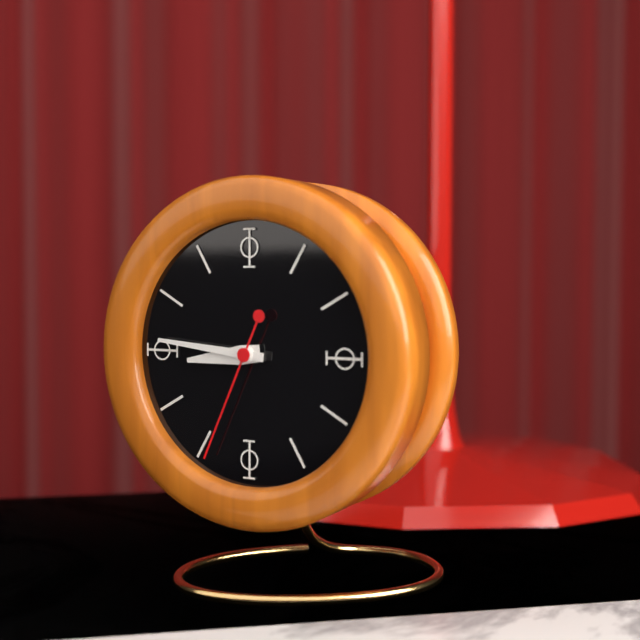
8,46,34
